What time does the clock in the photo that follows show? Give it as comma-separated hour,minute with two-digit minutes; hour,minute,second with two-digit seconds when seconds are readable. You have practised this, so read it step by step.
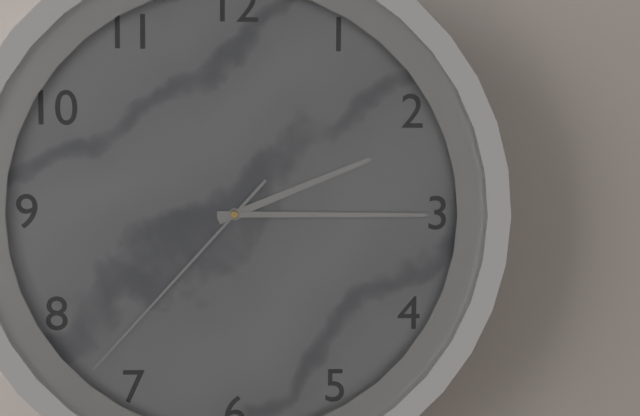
2,15,37
